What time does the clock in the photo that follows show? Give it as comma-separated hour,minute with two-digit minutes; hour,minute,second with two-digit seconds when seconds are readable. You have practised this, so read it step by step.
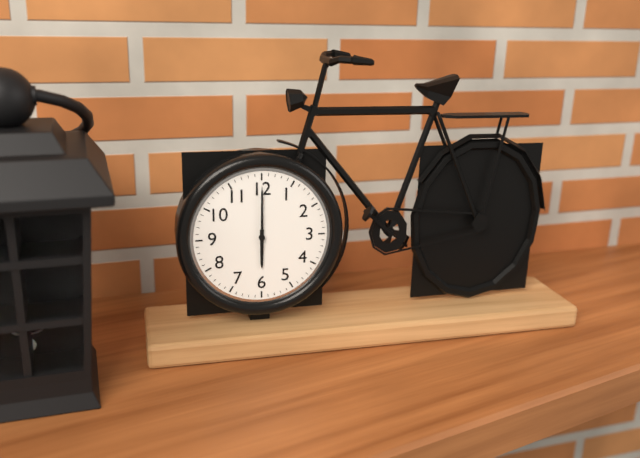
6,00
